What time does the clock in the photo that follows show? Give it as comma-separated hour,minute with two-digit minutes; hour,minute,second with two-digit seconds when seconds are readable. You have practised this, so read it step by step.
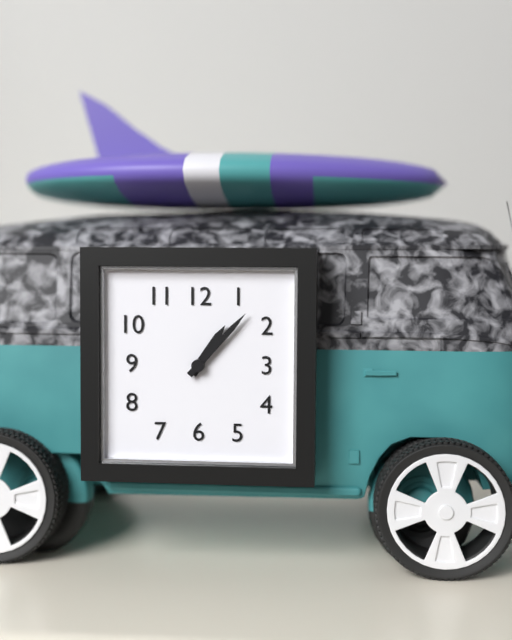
1,07
